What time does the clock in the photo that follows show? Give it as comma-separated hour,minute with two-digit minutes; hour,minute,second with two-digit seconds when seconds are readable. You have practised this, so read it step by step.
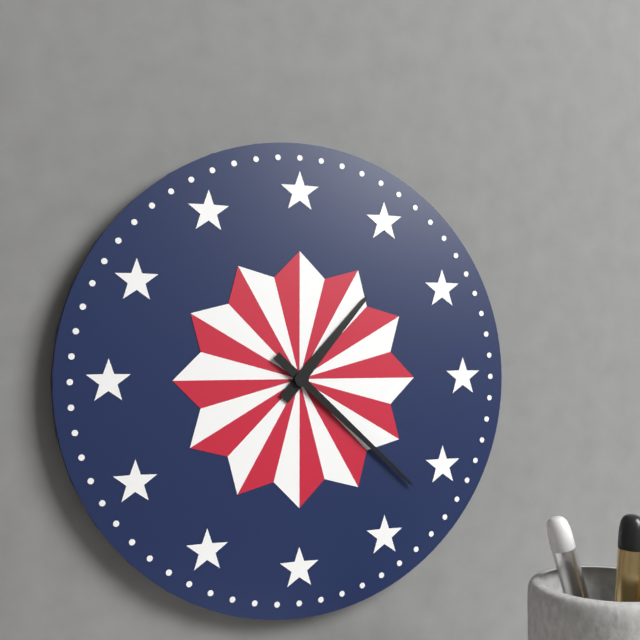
1,22
